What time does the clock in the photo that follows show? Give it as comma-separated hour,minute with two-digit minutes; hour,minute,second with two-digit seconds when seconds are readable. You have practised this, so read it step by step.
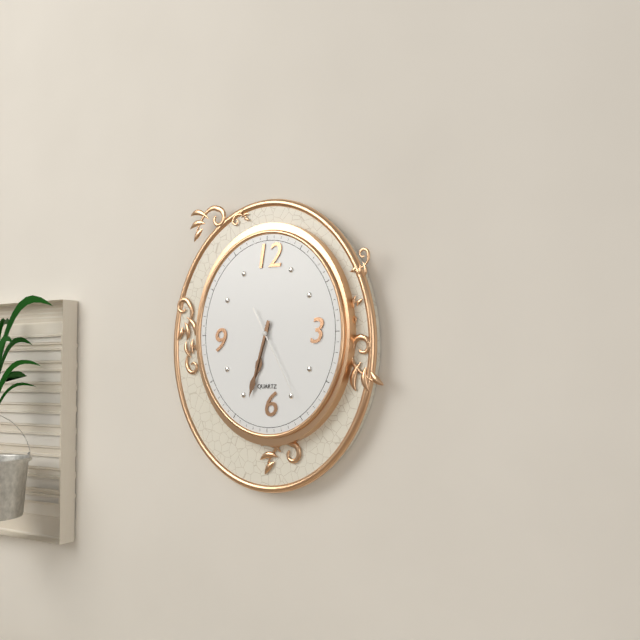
6,33,25
